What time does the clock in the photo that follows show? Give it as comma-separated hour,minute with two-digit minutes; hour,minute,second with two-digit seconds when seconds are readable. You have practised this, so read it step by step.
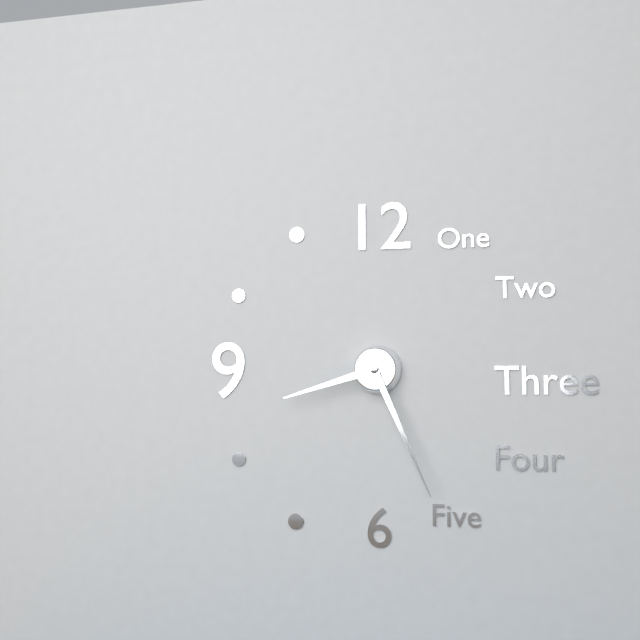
8,26
